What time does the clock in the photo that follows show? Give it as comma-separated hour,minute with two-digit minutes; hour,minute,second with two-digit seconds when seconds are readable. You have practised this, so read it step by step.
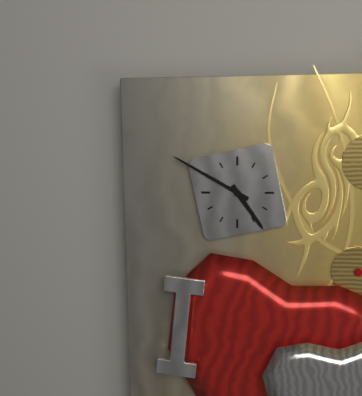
4,50
